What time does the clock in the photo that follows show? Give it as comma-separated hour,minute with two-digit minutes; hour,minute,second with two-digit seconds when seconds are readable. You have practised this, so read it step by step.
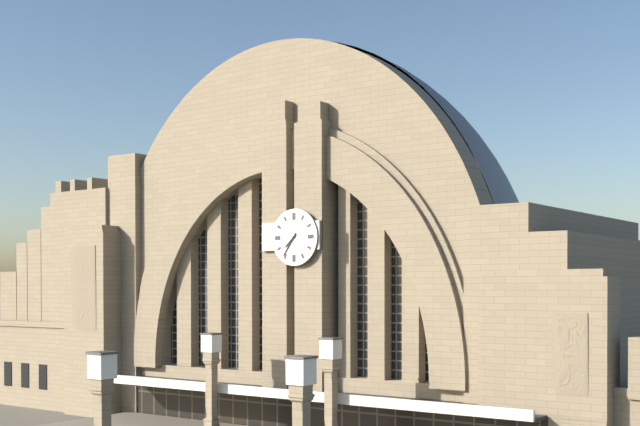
7,36
